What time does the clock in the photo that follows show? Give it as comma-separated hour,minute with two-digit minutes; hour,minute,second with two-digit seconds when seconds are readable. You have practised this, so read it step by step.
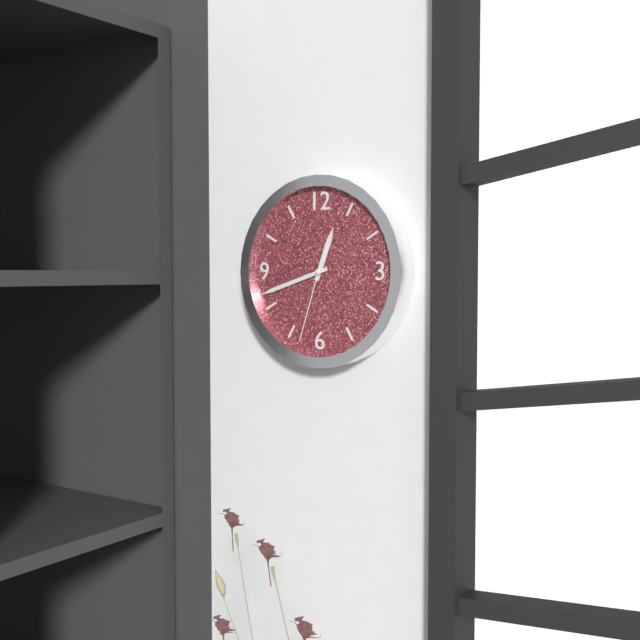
12,42,33
